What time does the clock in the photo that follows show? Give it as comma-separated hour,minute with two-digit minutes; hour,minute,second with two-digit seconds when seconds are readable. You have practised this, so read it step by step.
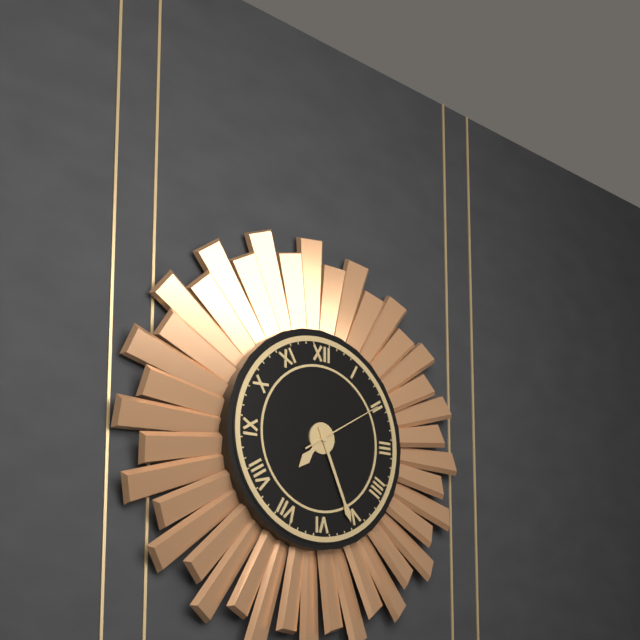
7,26,10
